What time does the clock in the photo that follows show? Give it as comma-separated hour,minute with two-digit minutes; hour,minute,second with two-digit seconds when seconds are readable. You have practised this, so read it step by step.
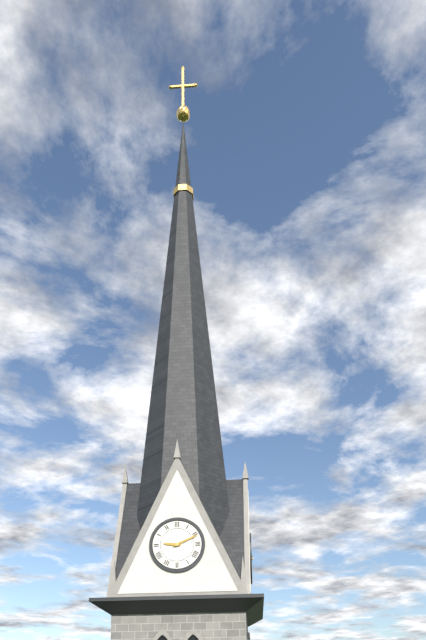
9,11
